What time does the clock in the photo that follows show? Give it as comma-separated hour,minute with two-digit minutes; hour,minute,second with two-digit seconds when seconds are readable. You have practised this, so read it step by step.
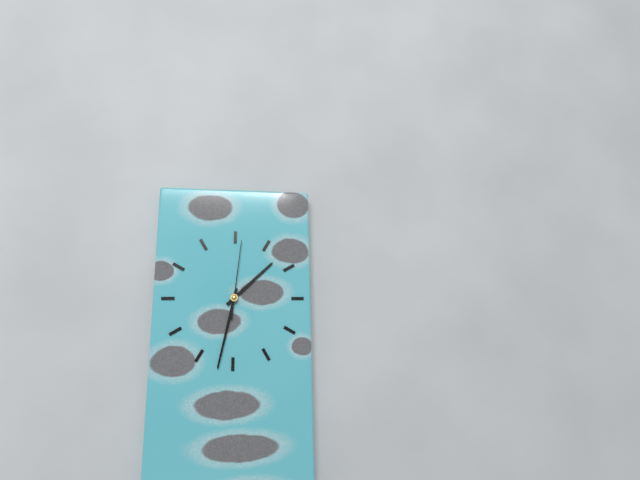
1,32,01
